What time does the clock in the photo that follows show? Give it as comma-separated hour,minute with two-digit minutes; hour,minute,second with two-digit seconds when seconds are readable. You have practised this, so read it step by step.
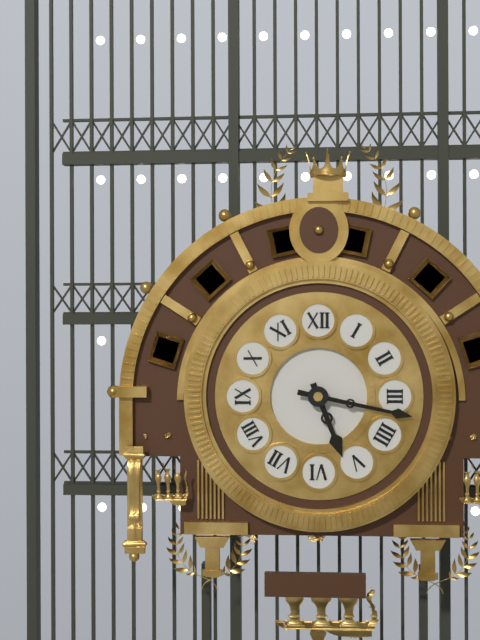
5,17
